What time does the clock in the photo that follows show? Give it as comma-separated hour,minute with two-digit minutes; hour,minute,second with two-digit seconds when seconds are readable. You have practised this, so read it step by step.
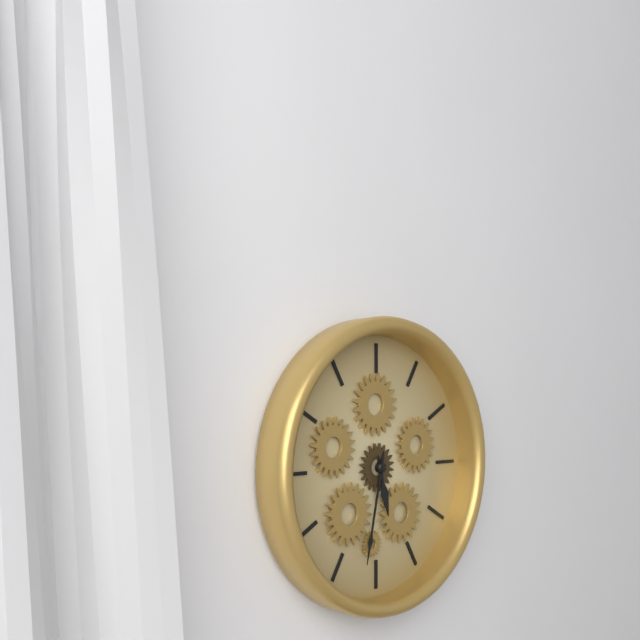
5,32
